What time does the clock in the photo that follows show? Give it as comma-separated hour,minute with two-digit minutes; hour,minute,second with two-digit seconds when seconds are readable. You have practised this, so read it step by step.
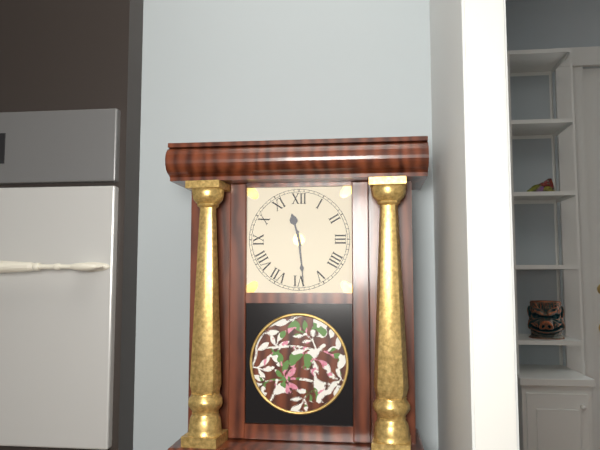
11,29
